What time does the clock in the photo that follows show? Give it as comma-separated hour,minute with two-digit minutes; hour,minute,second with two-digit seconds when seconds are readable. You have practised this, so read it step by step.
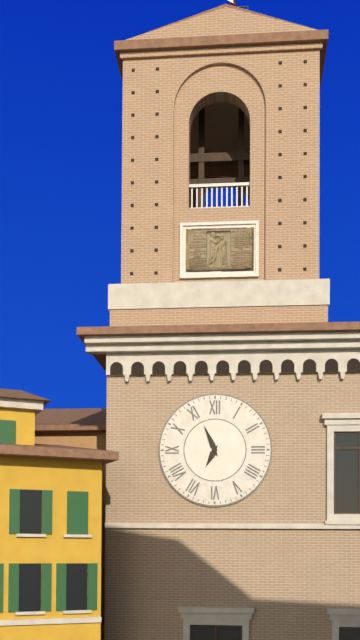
6,56
